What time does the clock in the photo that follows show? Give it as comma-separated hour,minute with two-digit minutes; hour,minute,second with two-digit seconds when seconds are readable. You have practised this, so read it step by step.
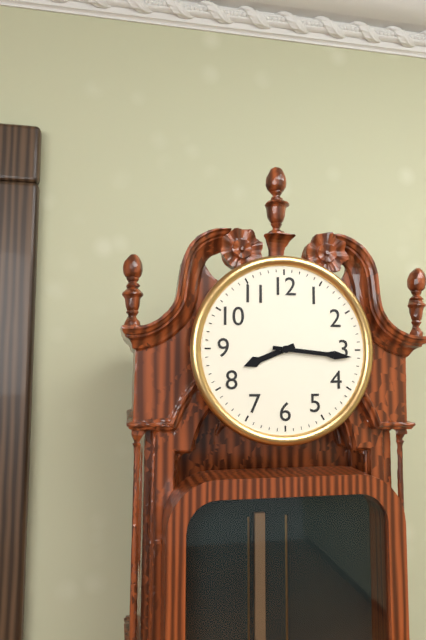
8,16
